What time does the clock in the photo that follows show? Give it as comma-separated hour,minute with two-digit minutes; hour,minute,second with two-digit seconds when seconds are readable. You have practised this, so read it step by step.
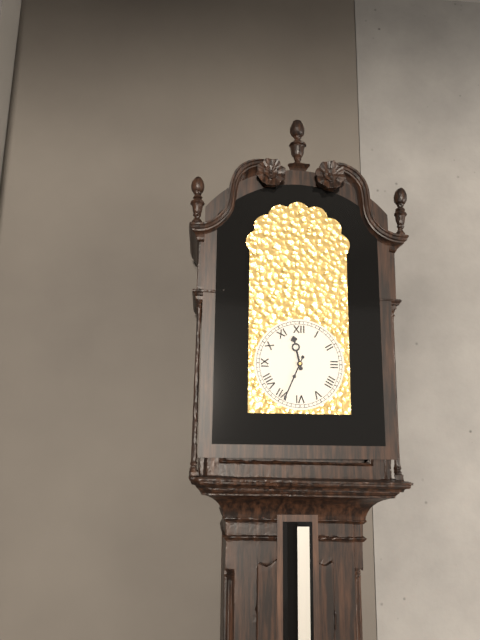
11,34
